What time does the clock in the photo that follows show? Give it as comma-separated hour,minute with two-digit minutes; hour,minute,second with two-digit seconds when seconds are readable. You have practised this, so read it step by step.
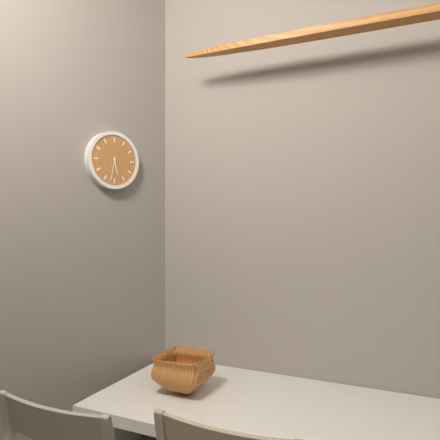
5,32
